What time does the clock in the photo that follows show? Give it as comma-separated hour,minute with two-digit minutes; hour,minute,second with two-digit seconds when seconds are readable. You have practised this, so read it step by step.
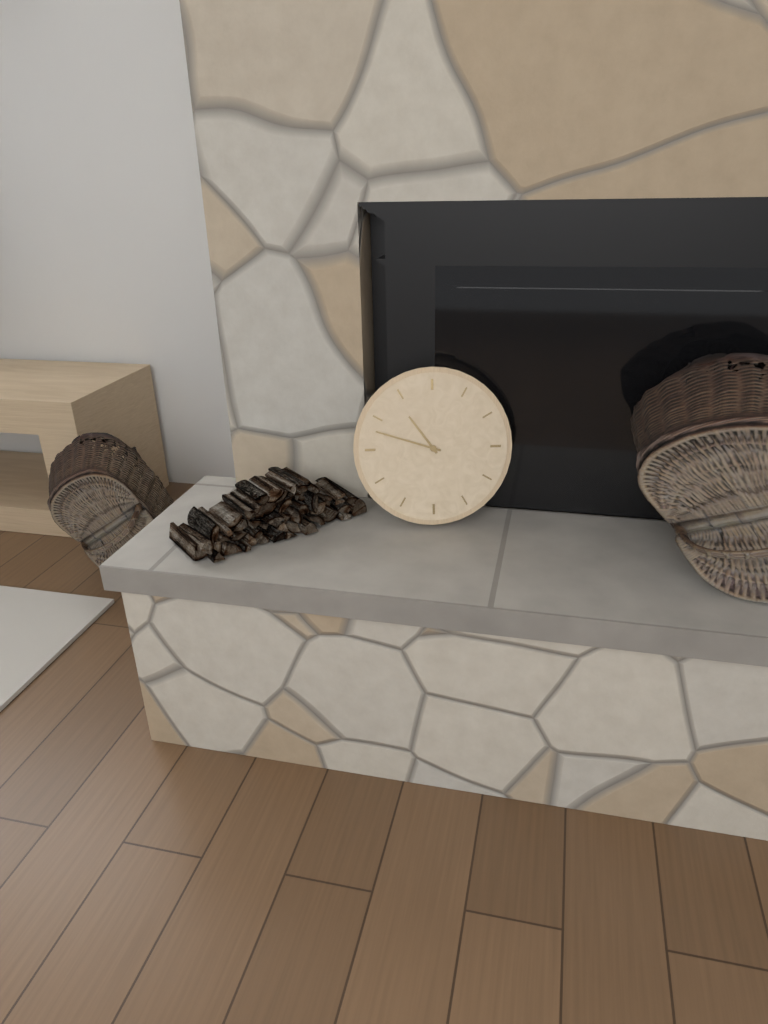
10,48
